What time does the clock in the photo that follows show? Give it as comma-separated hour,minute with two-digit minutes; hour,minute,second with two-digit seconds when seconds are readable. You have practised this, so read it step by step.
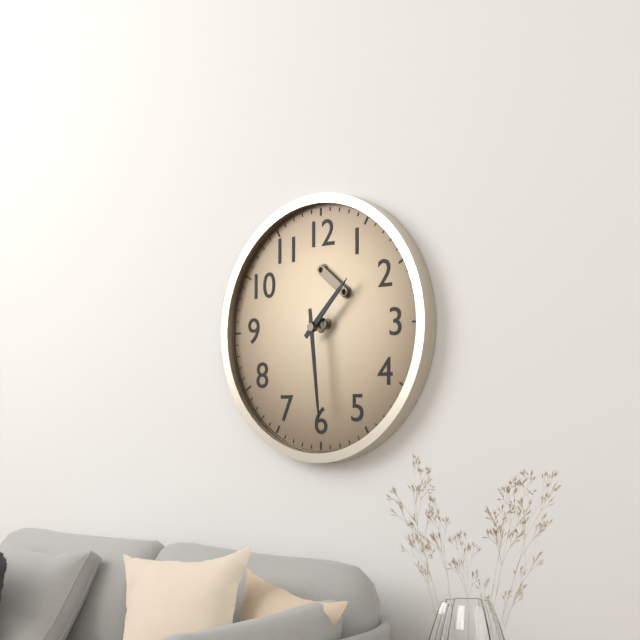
1,29
